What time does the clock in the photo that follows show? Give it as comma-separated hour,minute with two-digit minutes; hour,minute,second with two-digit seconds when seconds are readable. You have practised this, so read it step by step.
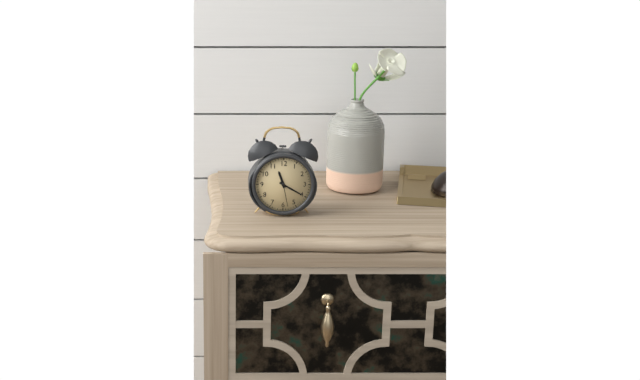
11,20
